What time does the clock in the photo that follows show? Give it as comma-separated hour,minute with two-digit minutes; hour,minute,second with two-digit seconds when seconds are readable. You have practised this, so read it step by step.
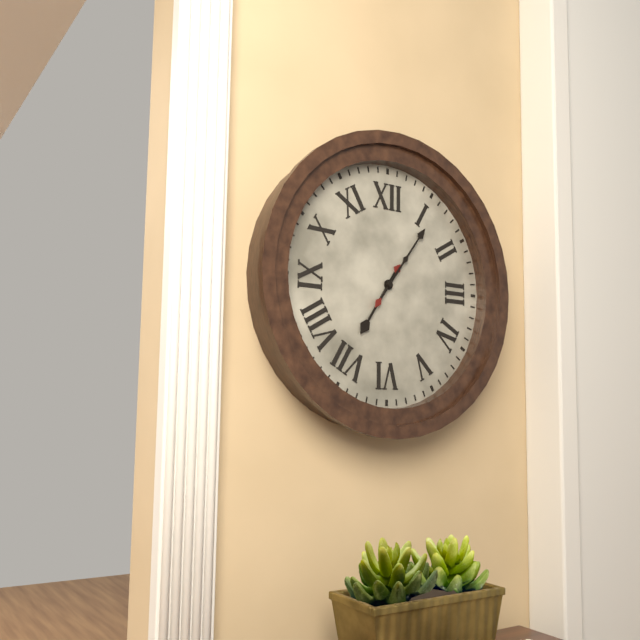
7,06
